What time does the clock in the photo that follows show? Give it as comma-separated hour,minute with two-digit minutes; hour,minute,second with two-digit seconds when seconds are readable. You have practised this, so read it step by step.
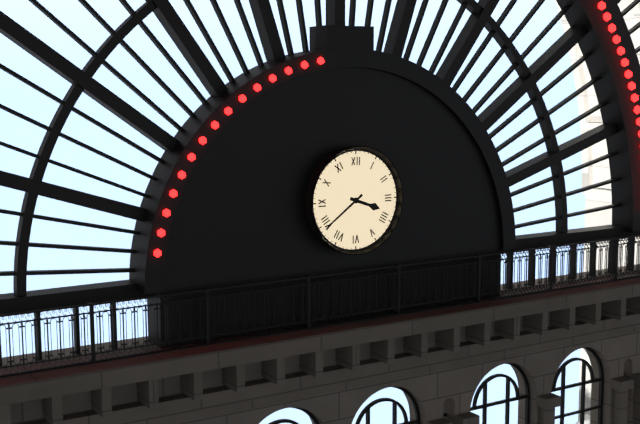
3,39
